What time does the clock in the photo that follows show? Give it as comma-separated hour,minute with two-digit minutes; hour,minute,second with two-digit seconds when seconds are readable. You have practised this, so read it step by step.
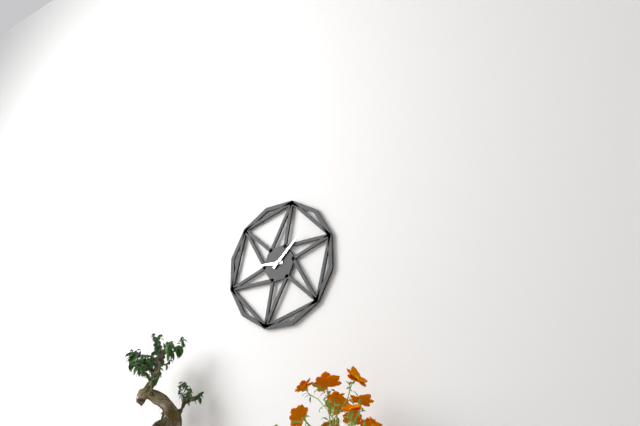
9,08
